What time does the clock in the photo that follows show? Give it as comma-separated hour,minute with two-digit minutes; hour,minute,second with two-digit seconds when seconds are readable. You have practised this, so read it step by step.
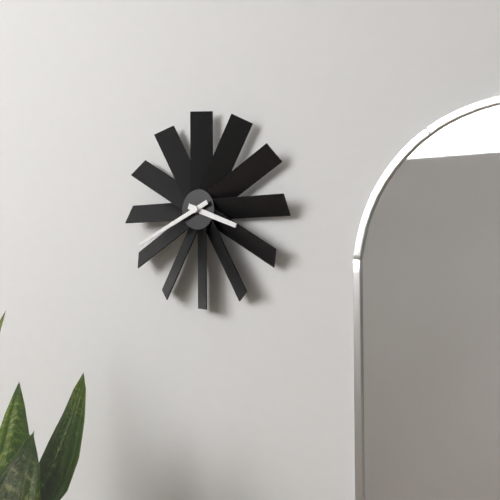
3,41
